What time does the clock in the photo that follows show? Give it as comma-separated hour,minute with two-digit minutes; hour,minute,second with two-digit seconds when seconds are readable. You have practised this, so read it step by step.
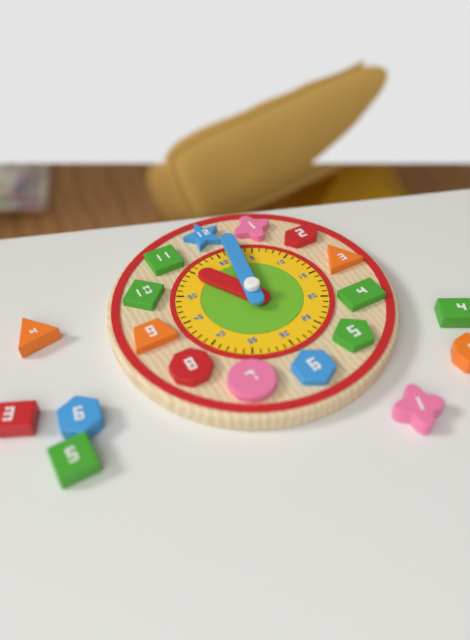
11,02
